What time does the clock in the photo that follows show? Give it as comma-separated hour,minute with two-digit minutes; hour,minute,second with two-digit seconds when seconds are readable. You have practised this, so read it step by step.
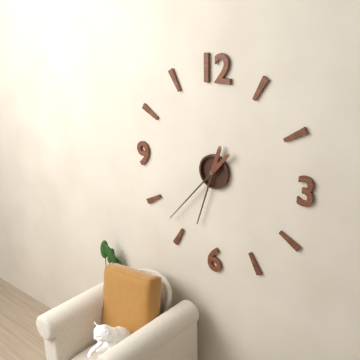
6,37
